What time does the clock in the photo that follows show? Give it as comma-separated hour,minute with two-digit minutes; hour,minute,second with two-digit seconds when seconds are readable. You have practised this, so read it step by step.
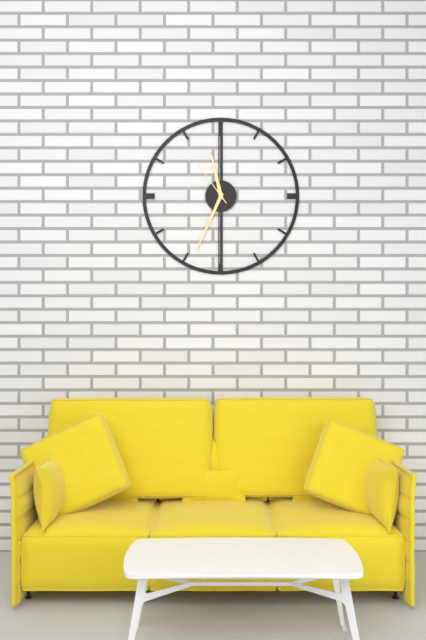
11,34,54
